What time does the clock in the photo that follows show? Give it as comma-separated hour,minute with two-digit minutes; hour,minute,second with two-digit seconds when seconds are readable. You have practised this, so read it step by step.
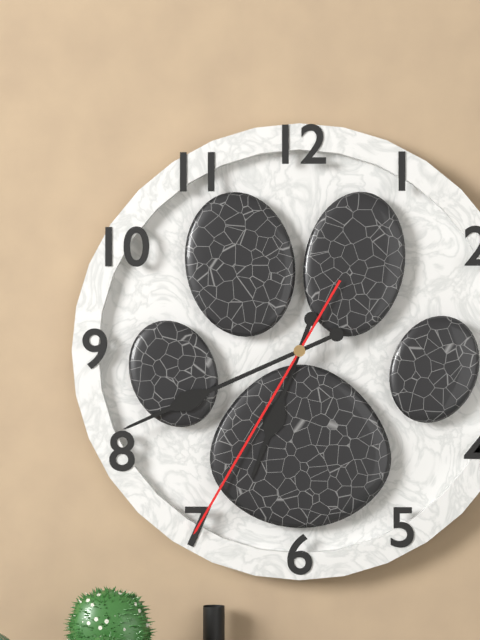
6,41,35
